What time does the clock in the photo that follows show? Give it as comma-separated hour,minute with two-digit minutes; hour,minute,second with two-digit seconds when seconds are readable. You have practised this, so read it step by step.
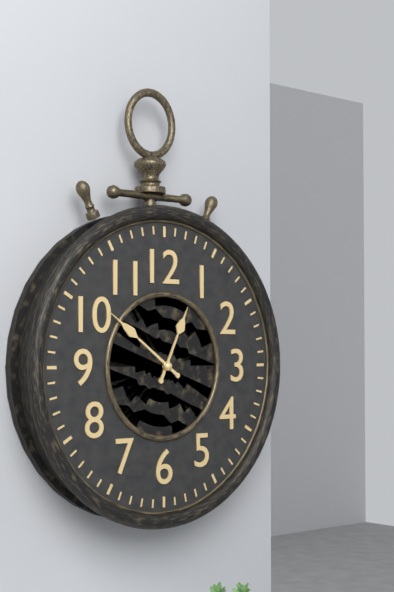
12,51
